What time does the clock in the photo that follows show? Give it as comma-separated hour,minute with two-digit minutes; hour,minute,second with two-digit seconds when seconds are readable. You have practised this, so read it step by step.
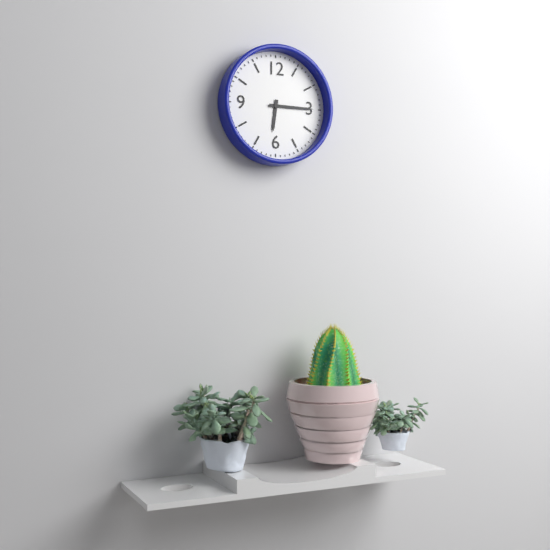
6,15
